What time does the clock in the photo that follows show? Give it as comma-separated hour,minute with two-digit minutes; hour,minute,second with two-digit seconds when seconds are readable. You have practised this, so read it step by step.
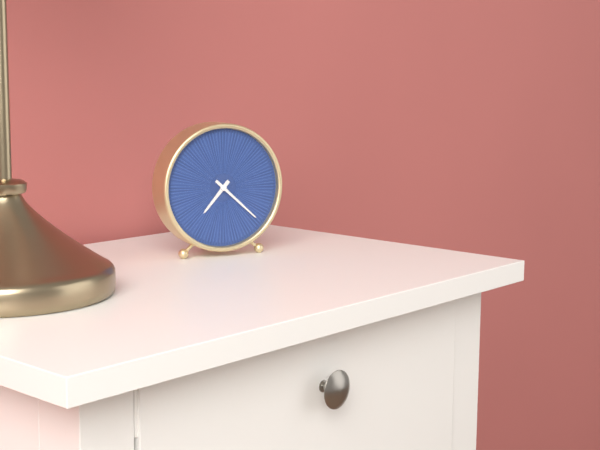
7,22
